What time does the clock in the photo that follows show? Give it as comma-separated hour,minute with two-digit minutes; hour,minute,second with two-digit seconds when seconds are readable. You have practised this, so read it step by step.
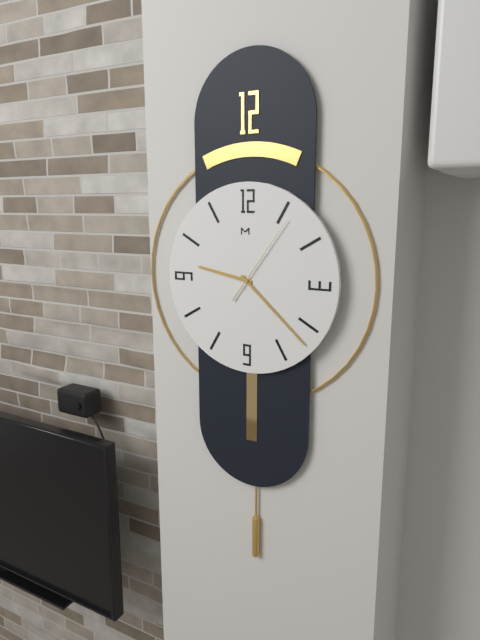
9,22,06
